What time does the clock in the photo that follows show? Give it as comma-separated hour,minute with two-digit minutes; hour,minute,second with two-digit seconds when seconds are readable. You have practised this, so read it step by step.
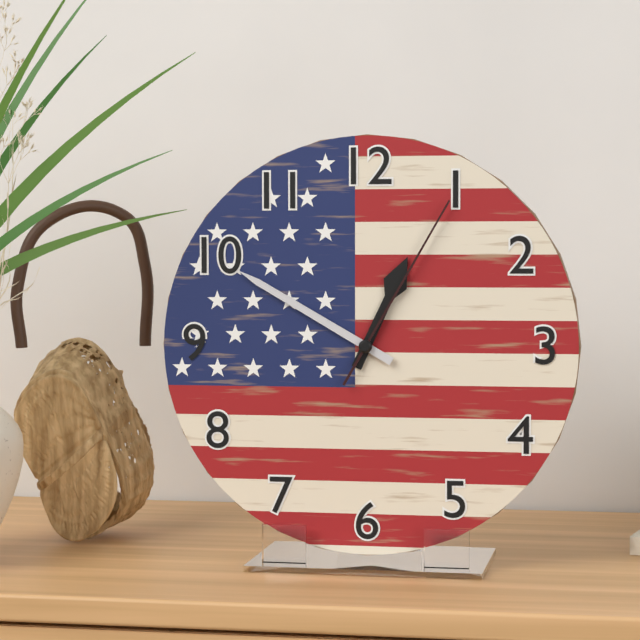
12,50,05
